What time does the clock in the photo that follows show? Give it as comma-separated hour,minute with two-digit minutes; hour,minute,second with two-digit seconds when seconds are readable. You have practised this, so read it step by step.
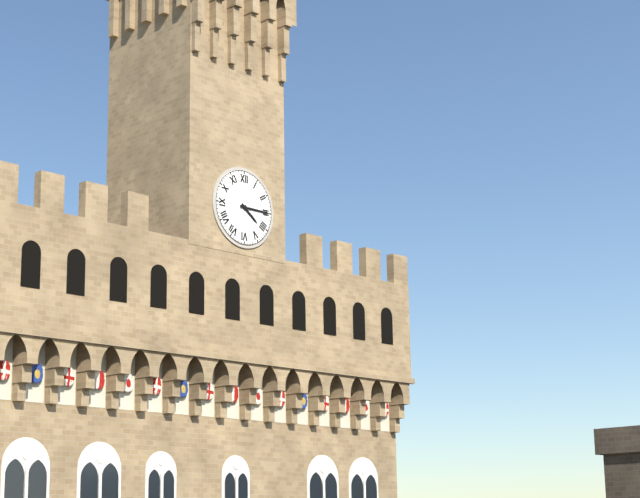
4,15
